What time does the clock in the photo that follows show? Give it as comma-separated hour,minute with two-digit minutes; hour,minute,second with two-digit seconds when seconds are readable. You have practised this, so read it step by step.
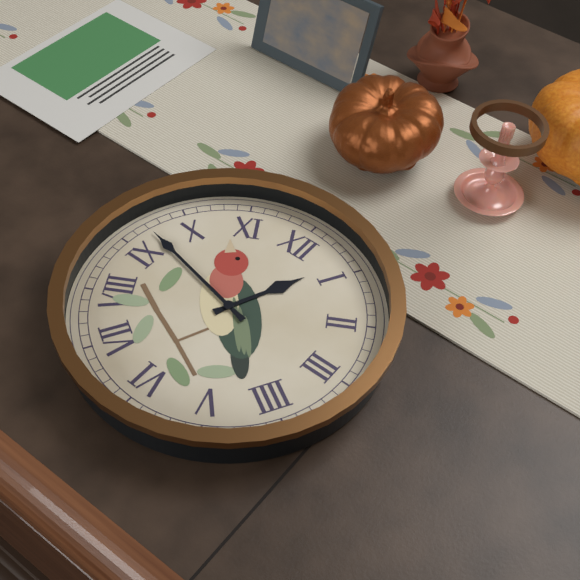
12,47
